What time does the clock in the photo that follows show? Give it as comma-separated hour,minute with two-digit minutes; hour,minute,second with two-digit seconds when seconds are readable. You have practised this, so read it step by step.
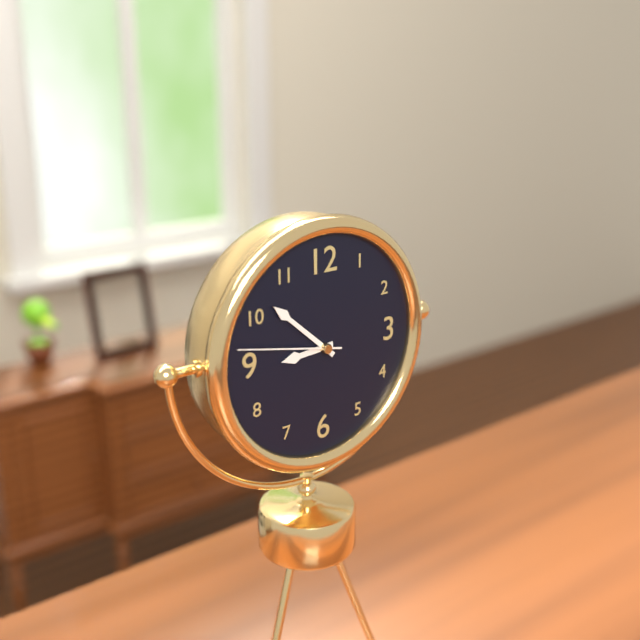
8,52,47
